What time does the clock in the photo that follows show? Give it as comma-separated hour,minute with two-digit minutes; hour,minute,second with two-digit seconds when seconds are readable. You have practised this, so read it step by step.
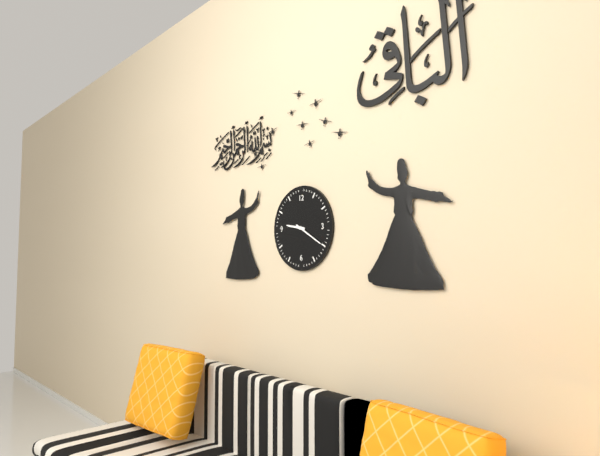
9,20
